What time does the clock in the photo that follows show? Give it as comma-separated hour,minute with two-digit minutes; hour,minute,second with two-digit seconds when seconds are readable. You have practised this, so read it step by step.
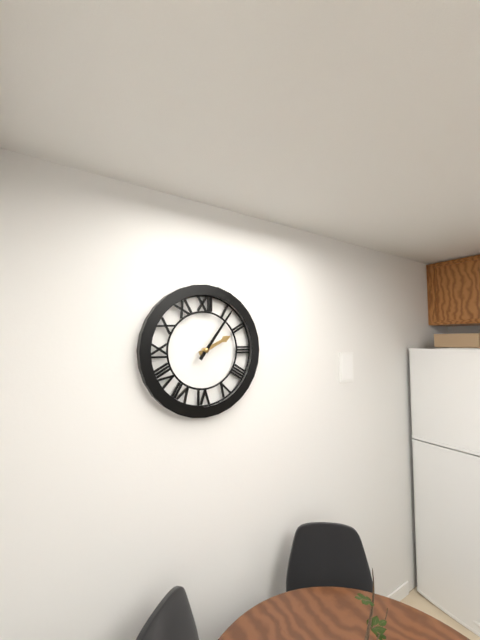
2,06
